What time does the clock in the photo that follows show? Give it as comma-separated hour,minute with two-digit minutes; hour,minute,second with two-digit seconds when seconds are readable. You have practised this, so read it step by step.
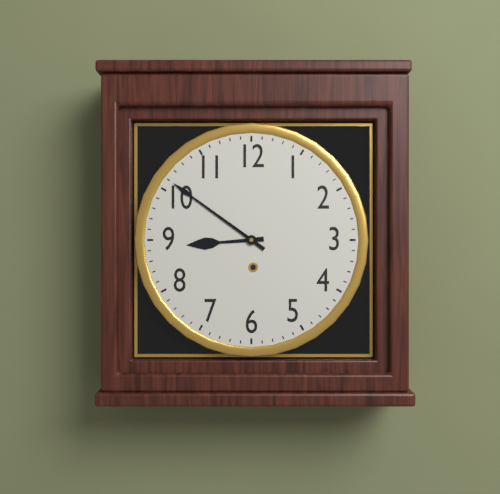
8,51
